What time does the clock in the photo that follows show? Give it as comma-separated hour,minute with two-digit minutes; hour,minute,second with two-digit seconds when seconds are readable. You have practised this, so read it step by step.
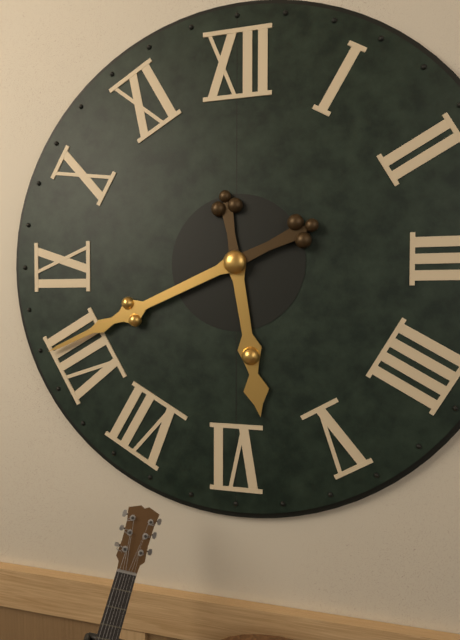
5,41
